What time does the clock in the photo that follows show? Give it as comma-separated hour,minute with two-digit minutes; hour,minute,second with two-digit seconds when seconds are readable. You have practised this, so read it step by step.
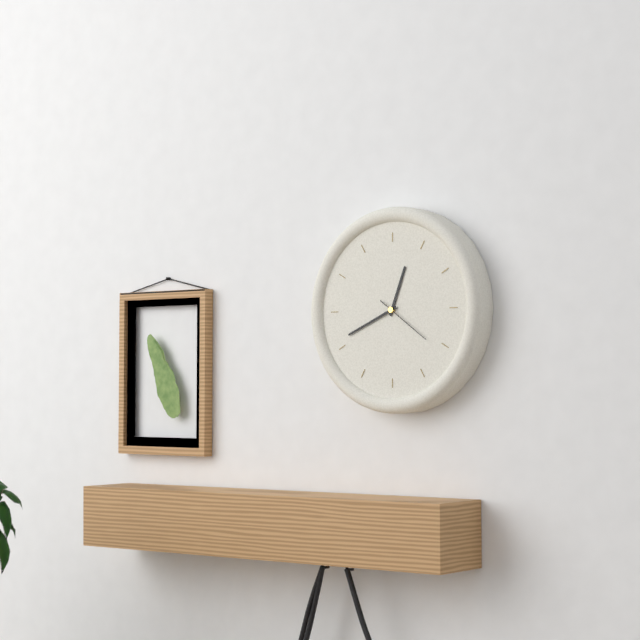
12,41,21
